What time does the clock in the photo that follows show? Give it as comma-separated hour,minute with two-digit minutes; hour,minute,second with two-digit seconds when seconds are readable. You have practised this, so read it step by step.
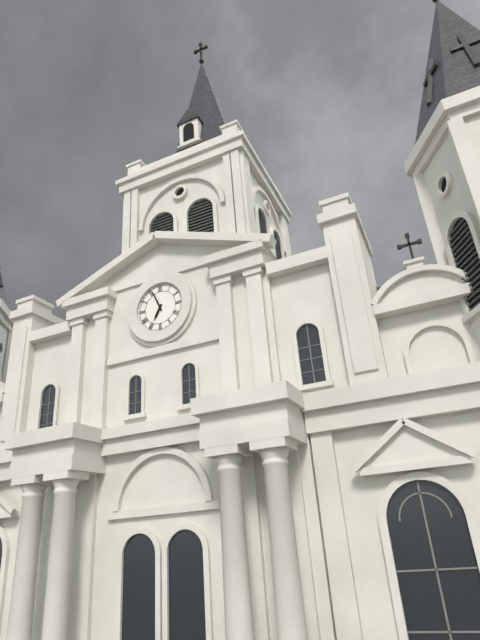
6,56
